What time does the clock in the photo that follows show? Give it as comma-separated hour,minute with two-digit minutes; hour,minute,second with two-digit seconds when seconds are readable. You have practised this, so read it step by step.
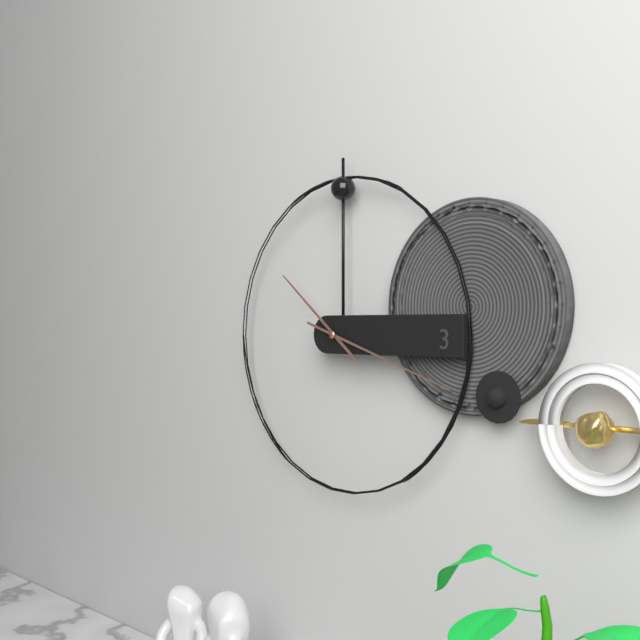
10,18
